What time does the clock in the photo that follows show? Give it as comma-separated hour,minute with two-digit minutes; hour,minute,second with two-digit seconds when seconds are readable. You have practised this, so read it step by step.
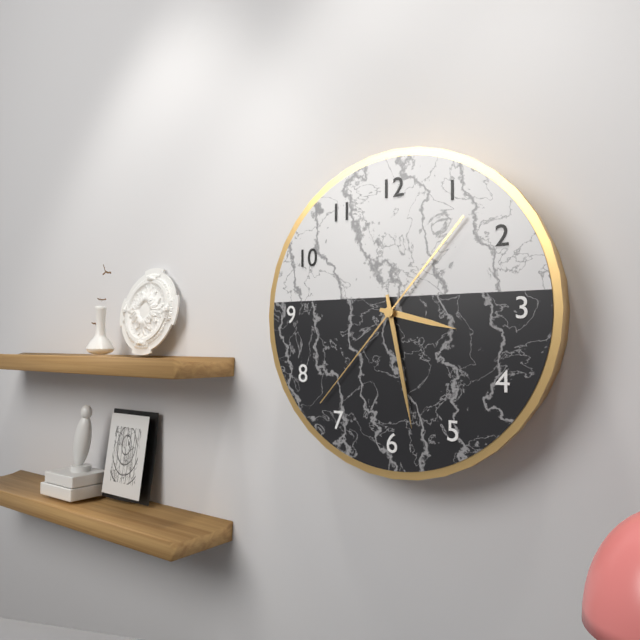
3,28,37
